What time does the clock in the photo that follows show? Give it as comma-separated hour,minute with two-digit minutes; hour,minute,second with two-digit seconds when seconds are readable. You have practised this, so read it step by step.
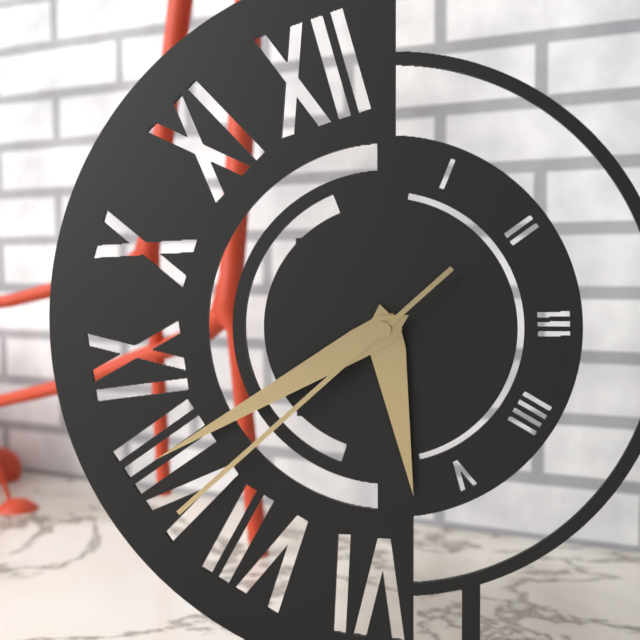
5,40,38
